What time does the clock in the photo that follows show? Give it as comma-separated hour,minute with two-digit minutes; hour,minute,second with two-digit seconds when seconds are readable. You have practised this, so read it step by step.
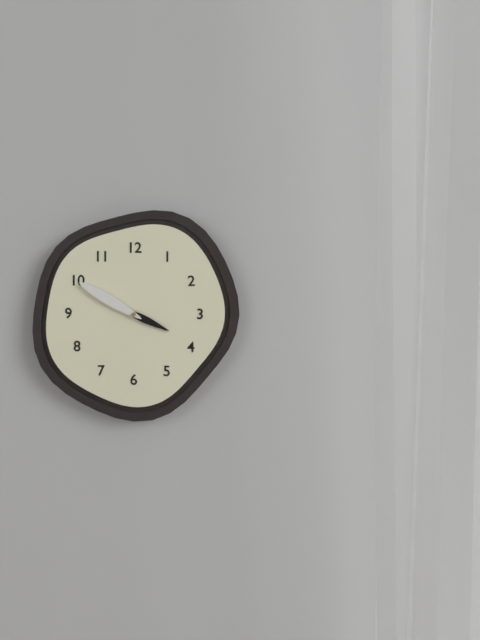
3,50
